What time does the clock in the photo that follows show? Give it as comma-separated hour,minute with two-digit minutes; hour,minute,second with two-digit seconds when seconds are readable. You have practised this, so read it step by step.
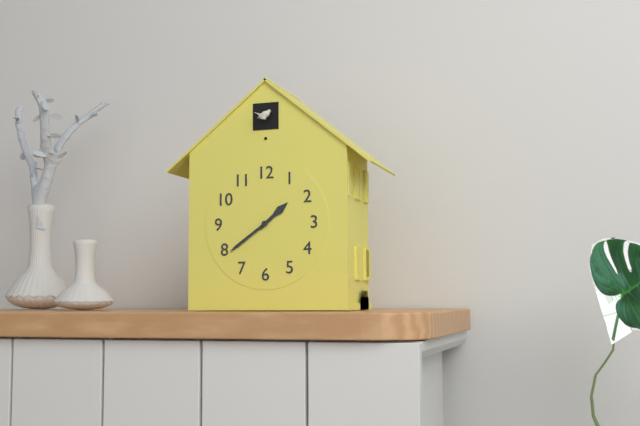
1,39
